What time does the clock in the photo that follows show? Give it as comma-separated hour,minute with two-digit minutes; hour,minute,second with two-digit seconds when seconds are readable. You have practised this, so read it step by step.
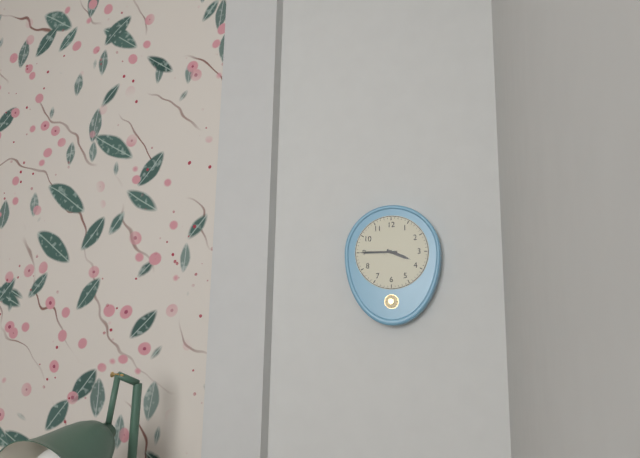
3,45
